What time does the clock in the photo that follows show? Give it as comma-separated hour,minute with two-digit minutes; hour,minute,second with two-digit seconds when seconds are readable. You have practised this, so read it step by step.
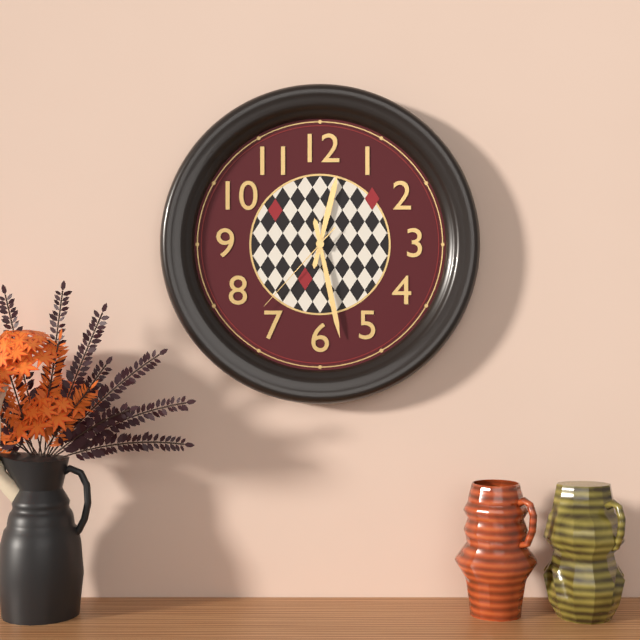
12,28,37
